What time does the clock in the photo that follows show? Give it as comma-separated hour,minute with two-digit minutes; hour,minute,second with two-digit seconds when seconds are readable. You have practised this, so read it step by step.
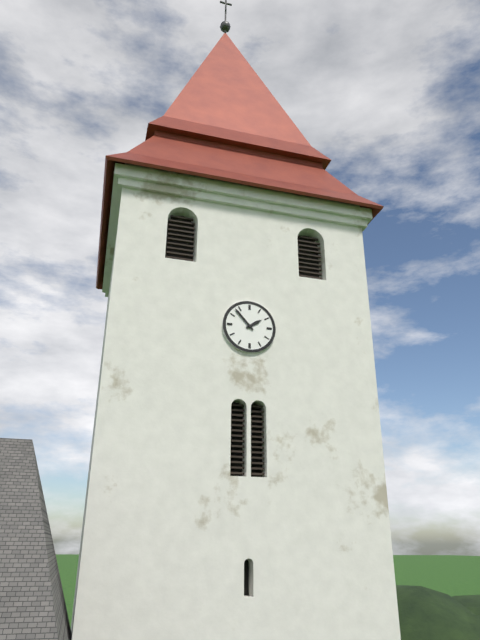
1,53
